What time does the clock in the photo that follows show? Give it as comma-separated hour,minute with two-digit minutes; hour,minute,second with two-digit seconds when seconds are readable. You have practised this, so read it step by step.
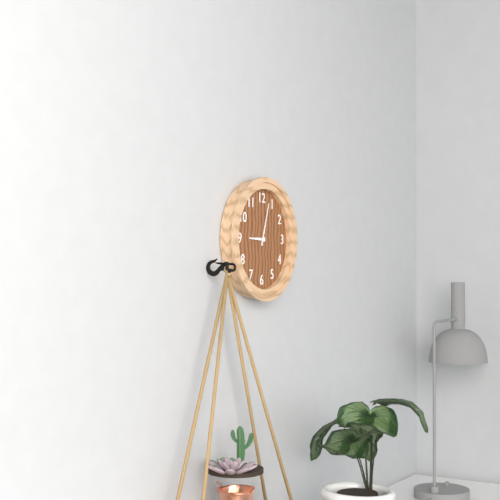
9,03
